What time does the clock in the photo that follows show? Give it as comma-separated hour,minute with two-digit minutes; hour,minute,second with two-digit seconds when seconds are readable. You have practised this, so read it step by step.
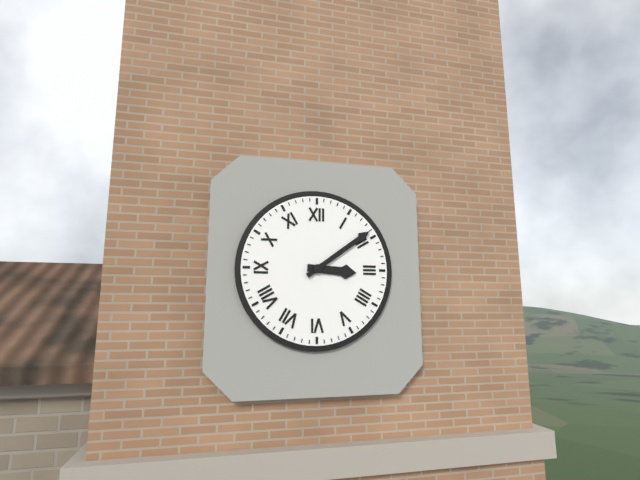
3,09
